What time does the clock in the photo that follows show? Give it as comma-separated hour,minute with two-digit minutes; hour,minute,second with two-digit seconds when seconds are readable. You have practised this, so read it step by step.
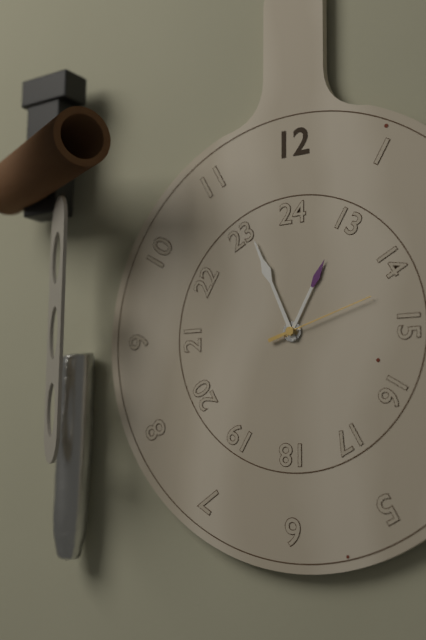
12,56,12
